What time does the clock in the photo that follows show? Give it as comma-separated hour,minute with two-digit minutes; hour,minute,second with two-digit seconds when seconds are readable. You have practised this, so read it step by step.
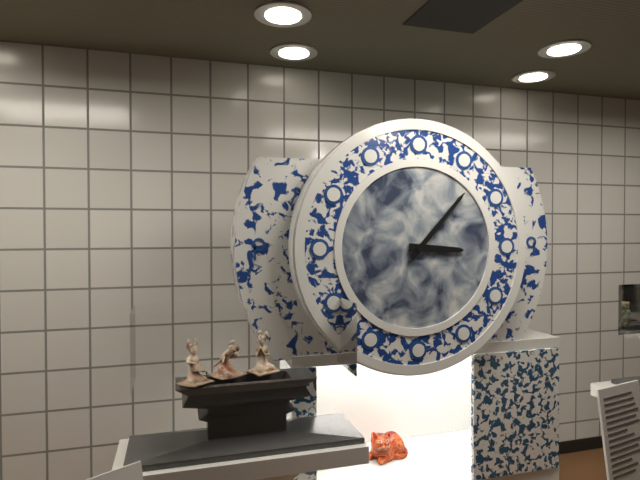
3,07
